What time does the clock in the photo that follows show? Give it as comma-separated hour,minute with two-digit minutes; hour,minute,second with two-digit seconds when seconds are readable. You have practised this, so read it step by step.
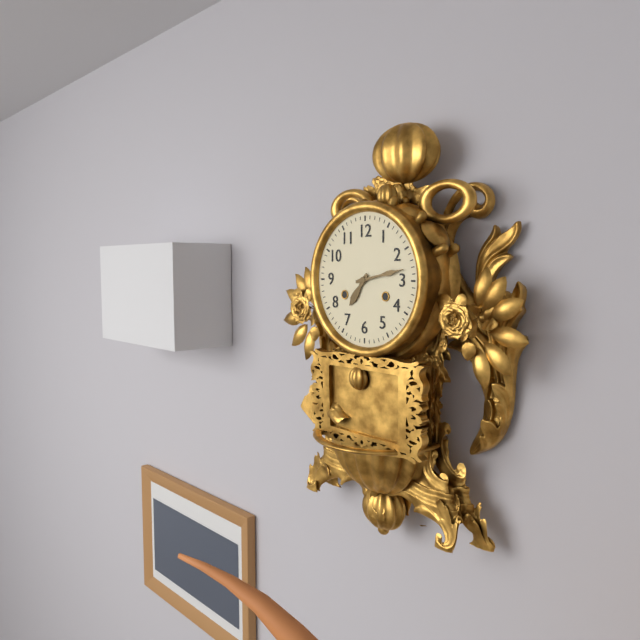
7,13
